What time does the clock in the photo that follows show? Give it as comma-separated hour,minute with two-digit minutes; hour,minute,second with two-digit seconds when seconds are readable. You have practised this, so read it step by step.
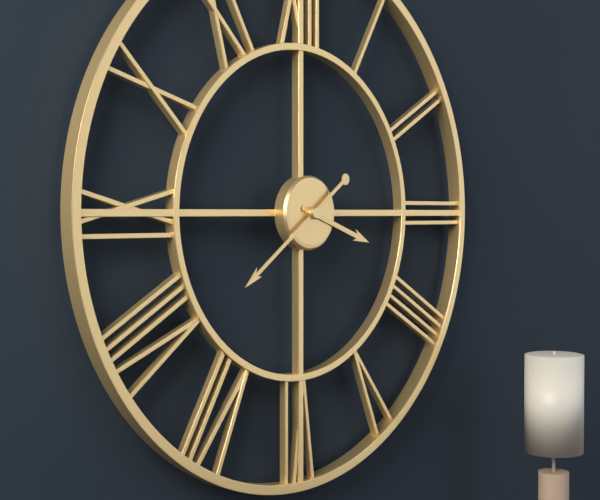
3,39
